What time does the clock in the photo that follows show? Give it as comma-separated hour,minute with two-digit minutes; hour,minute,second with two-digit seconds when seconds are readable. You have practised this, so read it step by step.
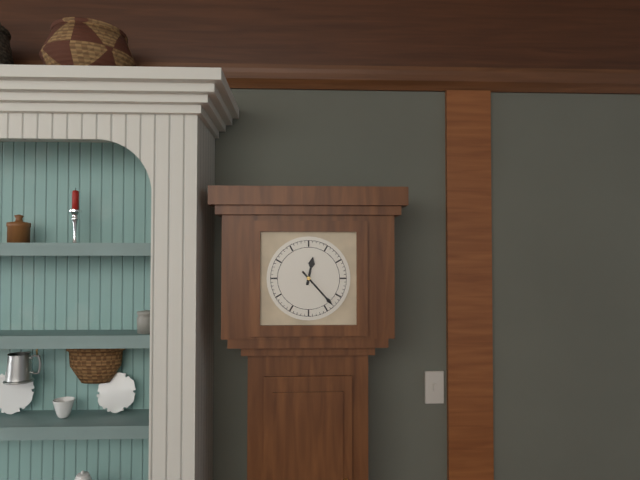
12,23
